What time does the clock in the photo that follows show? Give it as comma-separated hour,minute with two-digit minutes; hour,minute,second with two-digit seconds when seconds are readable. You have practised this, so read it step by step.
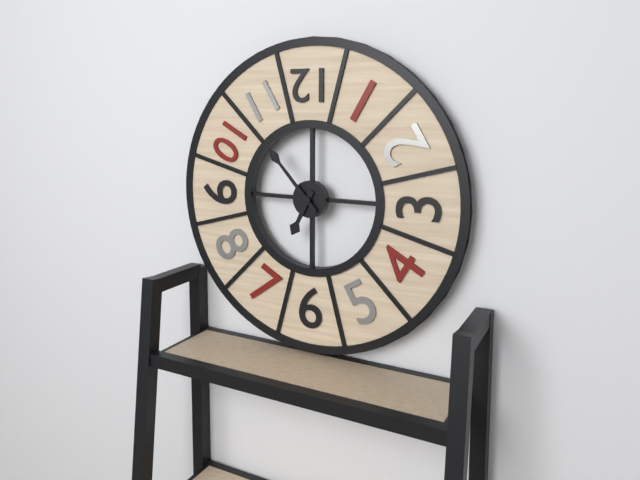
6,53
